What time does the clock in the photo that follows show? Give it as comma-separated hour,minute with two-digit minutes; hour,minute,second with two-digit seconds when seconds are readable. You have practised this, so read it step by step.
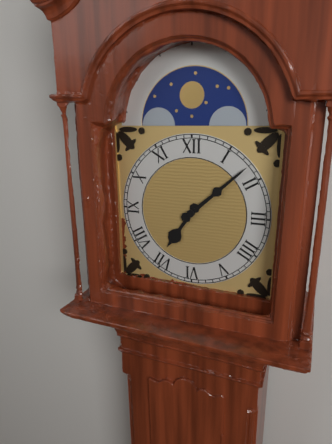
7,08
